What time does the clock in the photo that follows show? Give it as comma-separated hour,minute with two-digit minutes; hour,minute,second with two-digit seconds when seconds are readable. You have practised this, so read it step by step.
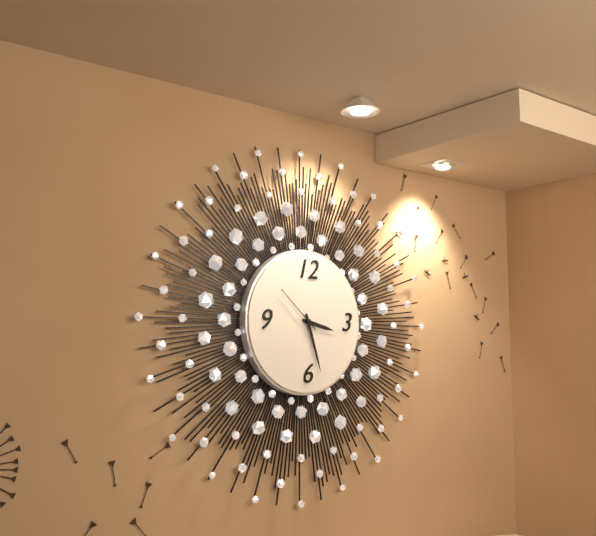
3,27,52
